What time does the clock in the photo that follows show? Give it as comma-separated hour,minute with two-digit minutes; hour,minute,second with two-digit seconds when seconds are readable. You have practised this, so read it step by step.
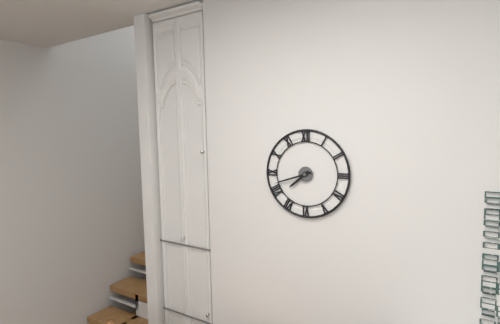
7,42
